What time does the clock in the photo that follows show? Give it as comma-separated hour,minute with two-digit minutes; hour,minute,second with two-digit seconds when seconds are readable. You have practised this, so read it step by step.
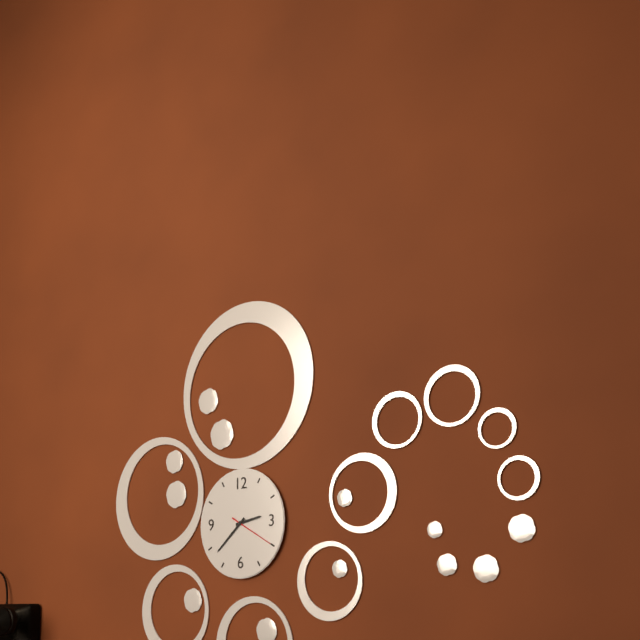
2,38
